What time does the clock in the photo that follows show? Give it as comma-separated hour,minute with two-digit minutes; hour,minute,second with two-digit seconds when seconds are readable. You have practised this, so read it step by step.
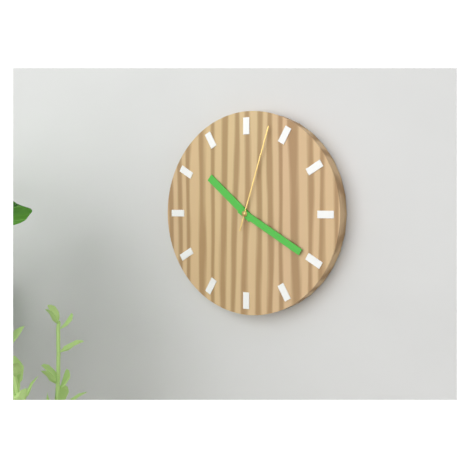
10,20,03
